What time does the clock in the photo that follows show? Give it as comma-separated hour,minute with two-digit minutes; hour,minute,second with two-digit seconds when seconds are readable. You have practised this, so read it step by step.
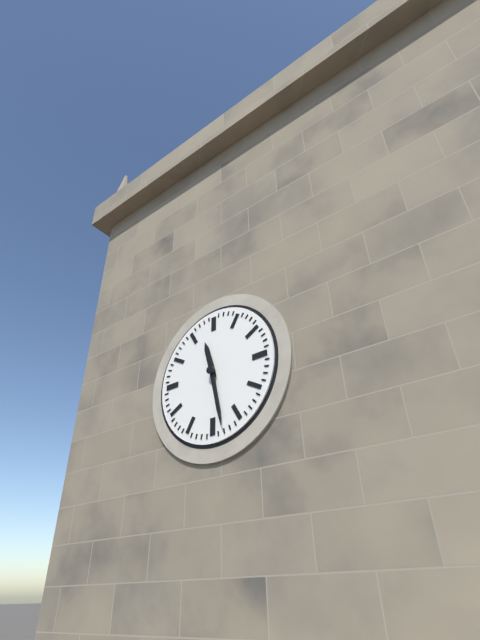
11,28
